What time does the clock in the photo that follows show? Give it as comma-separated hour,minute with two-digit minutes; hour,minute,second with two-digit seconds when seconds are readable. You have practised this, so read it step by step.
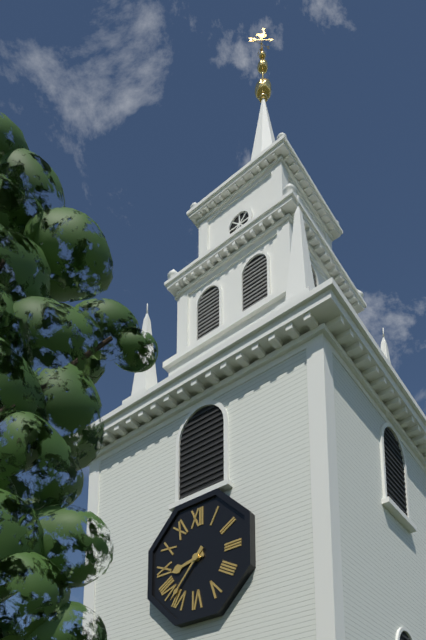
8,37
